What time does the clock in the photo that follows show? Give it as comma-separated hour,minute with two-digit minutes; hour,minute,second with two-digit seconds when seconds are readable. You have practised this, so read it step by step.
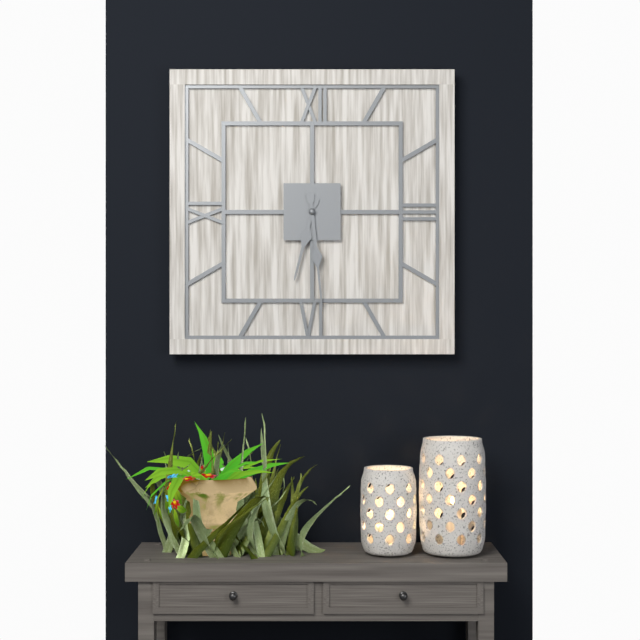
6,29
